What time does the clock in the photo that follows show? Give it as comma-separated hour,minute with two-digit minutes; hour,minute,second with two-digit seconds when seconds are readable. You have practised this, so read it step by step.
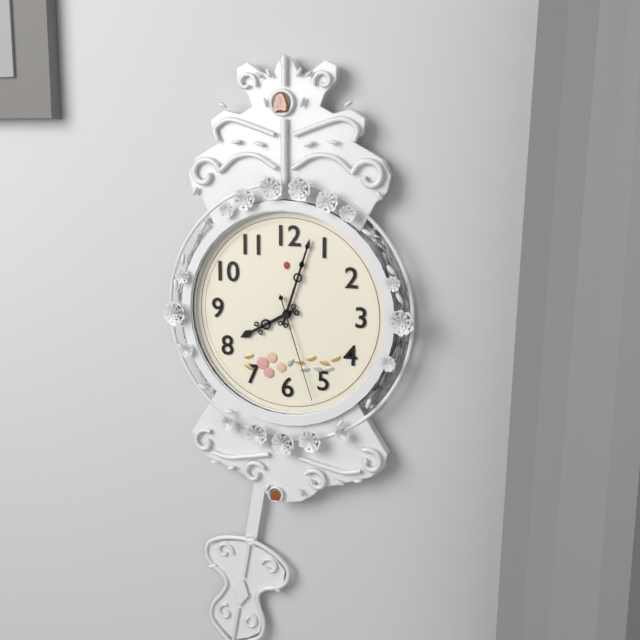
8,03,27
